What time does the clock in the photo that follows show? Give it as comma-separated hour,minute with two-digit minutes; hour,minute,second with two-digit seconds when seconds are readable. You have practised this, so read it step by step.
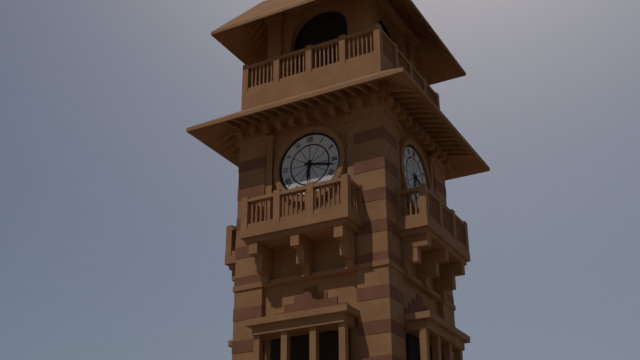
6,17
